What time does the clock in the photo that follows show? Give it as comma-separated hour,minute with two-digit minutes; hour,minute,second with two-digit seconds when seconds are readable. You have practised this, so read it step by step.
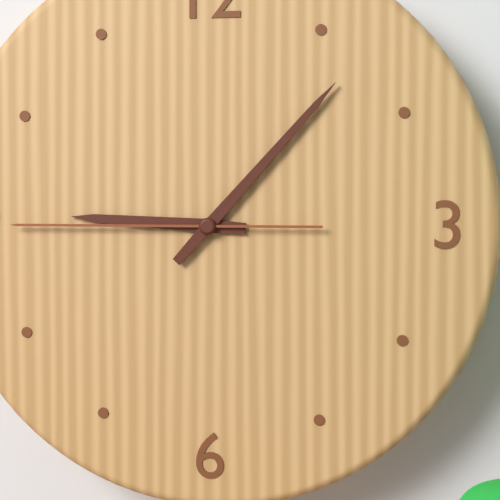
9,07,45
